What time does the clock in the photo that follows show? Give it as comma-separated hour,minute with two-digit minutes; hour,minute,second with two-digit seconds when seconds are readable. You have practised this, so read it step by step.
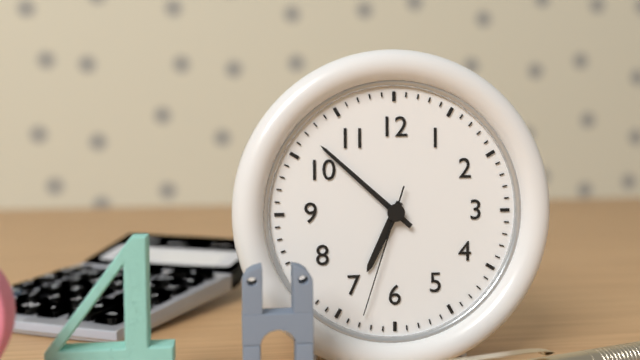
6,52,33
